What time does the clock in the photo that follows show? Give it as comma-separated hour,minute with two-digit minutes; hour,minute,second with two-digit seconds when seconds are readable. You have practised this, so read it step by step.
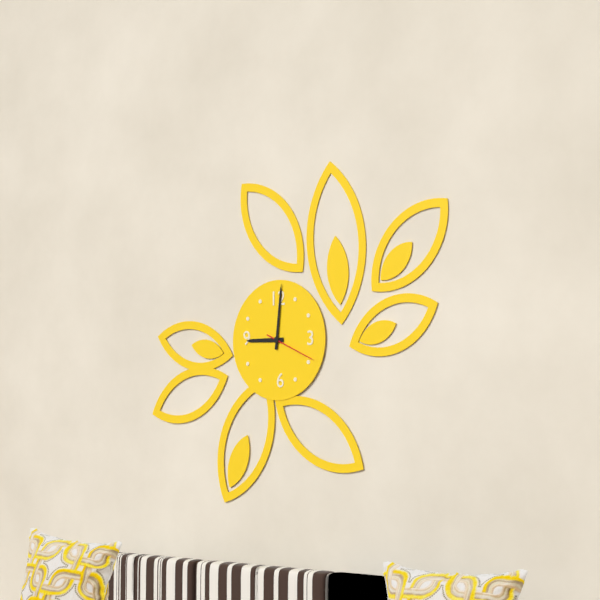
9,01,19
